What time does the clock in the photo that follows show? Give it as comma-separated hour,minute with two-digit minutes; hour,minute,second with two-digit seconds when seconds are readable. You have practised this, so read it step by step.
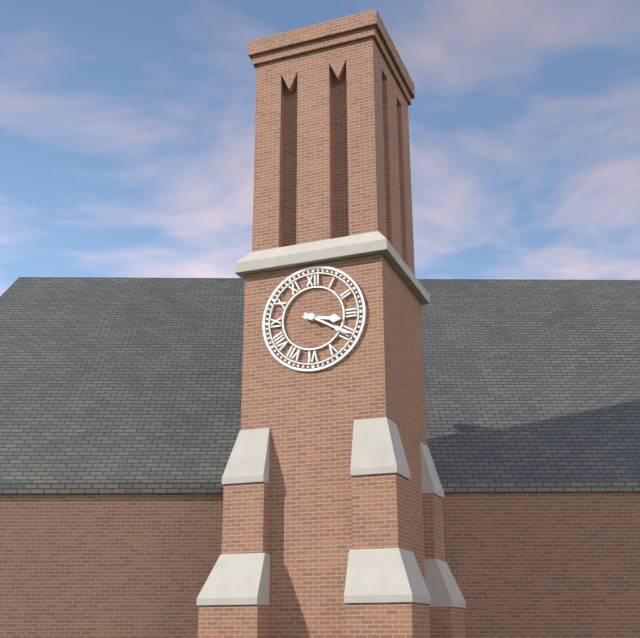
3,20
